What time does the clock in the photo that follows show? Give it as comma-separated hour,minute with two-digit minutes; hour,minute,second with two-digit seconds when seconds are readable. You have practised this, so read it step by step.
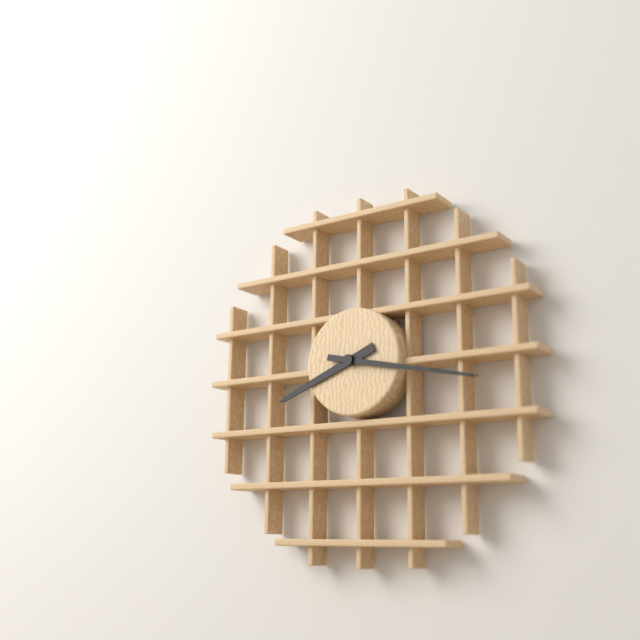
8,17
